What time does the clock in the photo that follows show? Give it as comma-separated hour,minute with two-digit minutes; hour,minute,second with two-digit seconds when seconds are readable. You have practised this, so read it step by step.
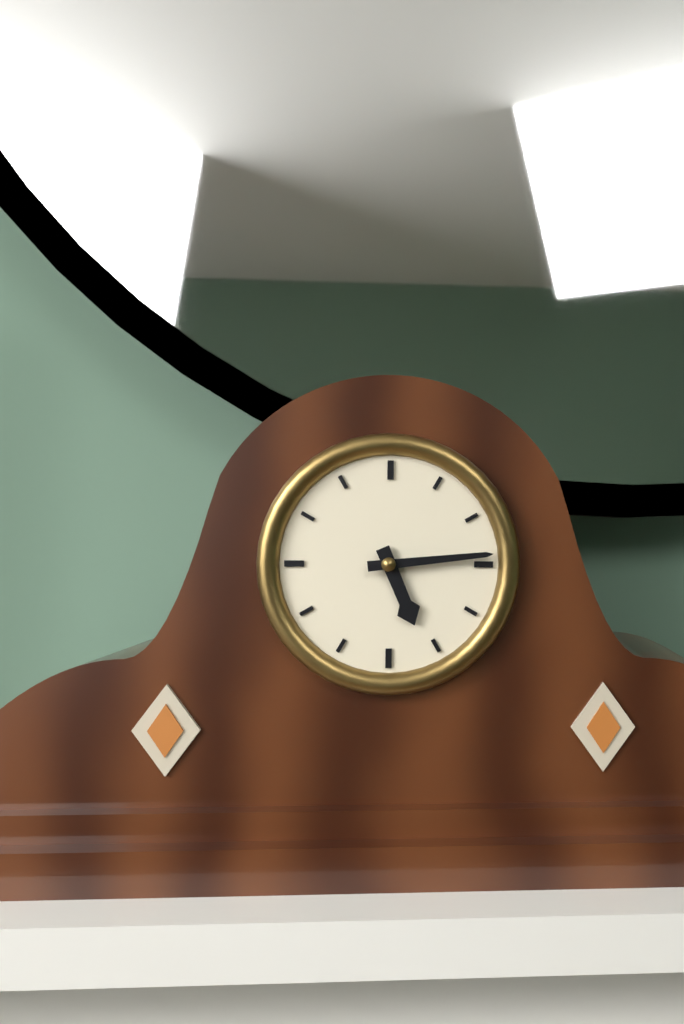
5,14
